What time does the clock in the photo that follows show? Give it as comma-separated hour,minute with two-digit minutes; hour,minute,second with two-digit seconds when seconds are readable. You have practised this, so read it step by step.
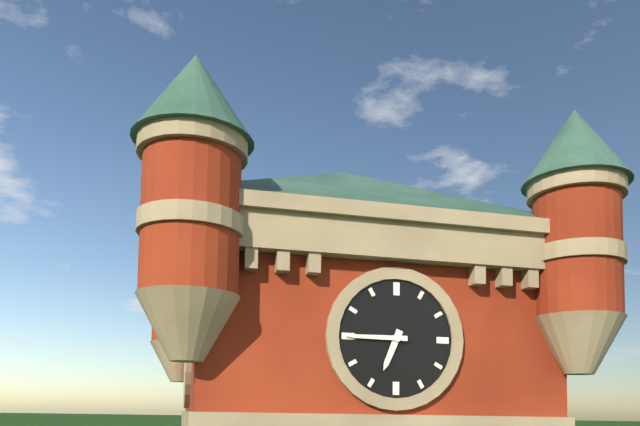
6,45
